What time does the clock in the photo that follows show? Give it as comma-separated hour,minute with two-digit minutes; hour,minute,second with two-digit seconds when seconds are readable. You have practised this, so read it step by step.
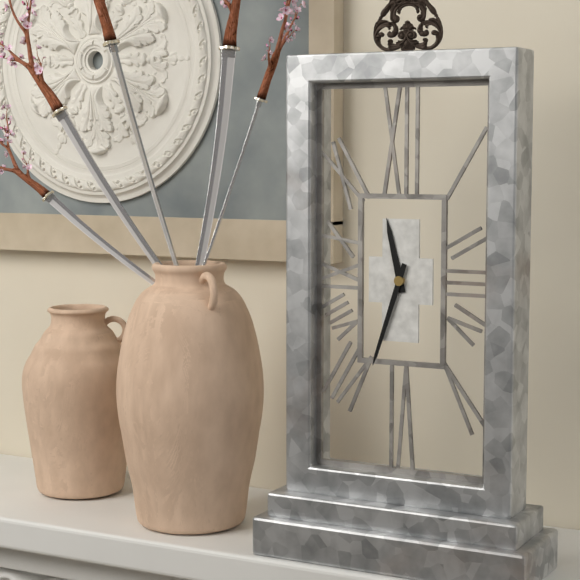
11,33
